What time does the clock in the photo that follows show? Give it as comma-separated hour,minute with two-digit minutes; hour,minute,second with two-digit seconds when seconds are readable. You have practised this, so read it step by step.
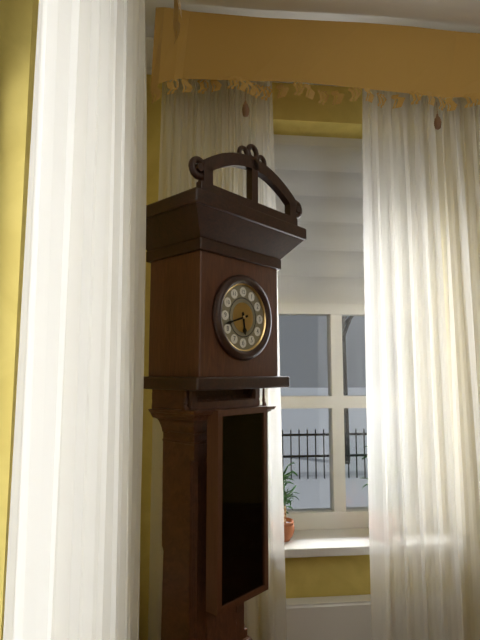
5,42
